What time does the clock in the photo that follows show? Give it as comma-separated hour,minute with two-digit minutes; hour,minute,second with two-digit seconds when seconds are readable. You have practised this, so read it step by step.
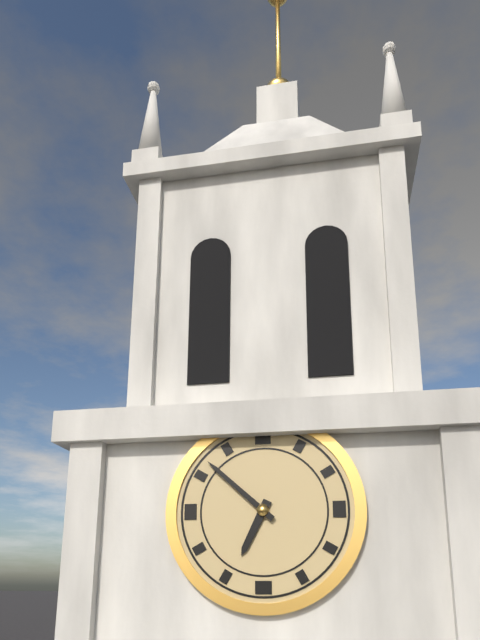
6,52
